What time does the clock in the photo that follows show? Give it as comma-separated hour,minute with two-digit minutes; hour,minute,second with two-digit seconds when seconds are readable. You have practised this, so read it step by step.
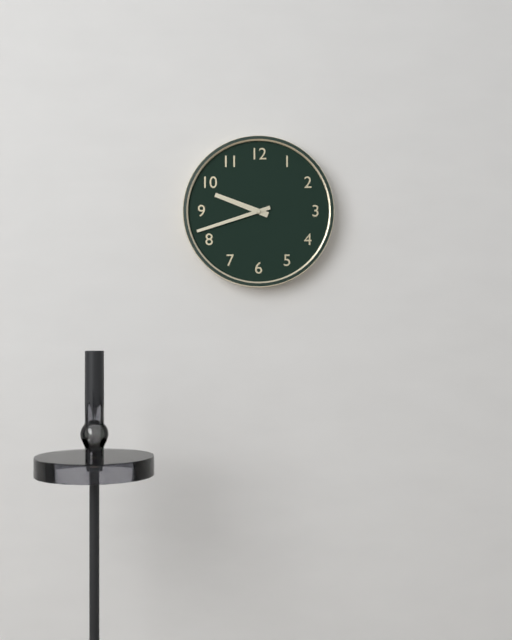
9,42
